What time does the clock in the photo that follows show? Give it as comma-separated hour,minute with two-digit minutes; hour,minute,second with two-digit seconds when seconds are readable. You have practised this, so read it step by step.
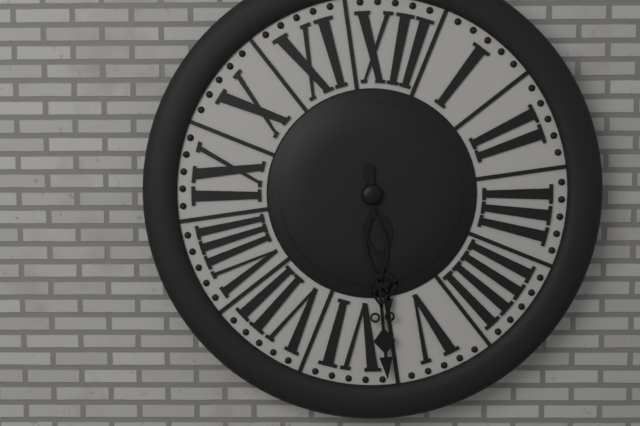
5,28
